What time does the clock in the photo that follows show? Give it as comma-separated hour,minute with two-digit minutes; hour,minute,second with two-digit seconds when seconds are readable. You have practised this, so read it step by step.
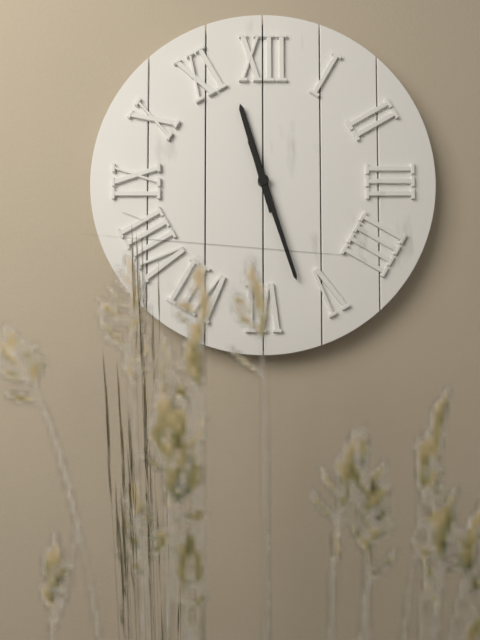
11,27
